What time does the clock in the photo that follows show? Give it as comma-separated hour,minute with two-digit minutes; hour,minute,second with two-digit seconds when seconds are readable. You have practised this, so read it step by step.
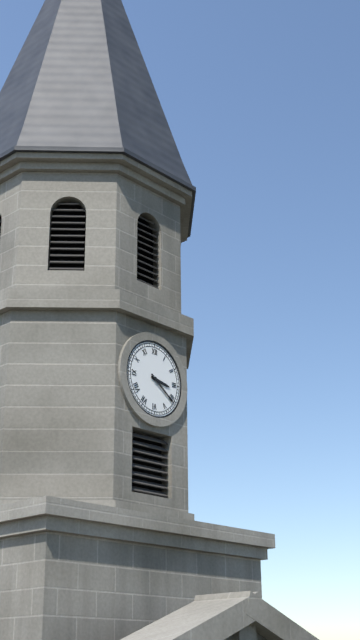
3,21
